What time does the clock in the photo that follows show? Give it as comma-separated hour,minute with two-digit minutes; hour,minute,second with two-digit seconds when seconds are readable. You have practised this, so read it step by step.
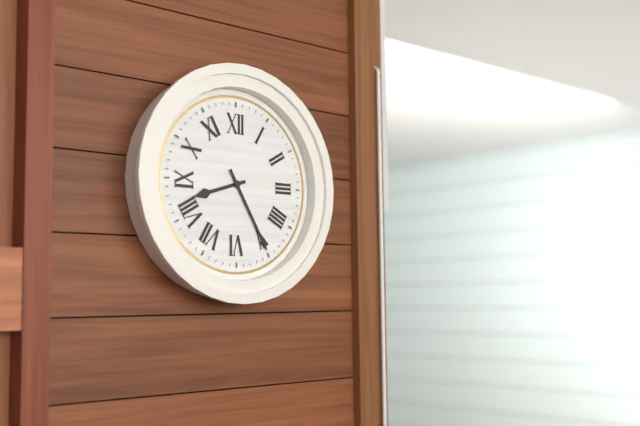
8,25
